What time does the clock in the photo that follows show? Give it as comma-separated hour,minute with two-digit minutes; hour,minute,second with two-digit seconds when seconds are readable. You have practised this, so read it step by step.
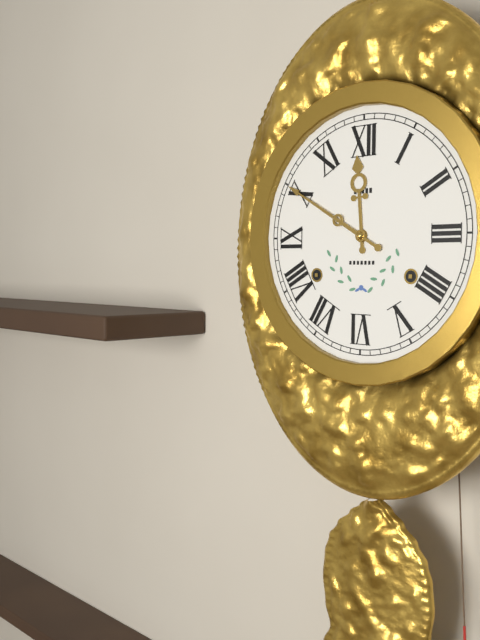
11,50
